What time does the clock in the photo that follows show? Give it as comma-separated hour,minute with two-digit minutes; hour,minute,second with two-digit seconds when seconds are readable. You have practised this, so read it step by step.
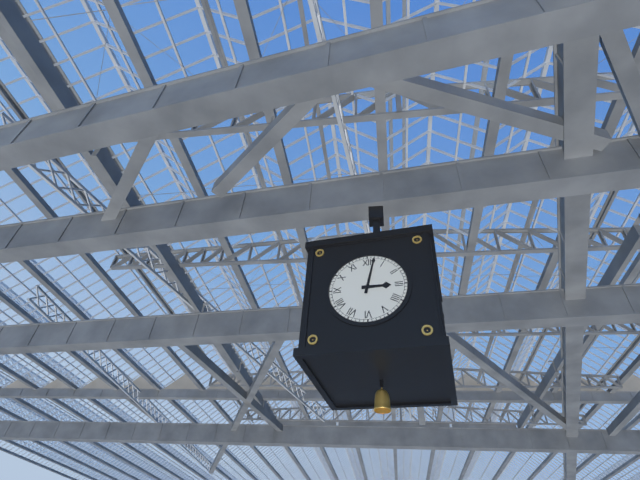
3,02
